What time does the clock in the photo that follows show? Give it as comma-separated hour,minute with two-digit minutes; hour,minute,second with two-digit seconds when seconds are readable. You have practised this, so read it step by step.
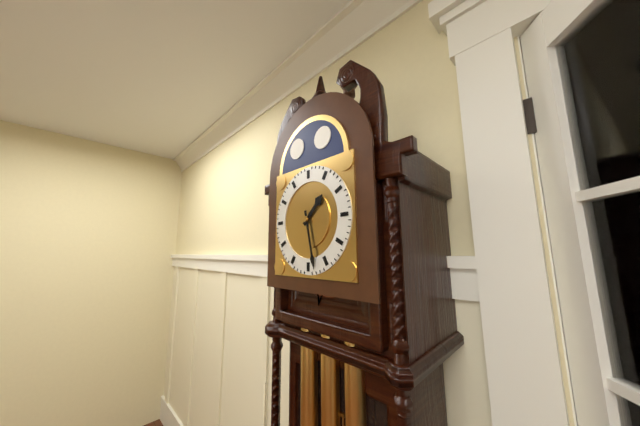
1,28
